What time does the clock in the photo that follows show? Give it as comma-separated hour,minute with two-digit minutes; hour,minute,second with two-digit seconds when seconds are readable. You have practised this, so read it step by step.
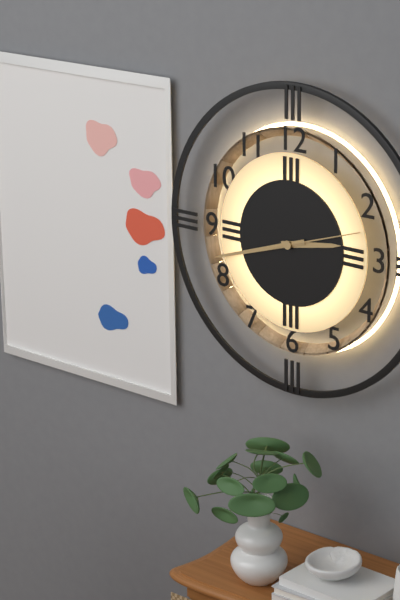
2,42,12
